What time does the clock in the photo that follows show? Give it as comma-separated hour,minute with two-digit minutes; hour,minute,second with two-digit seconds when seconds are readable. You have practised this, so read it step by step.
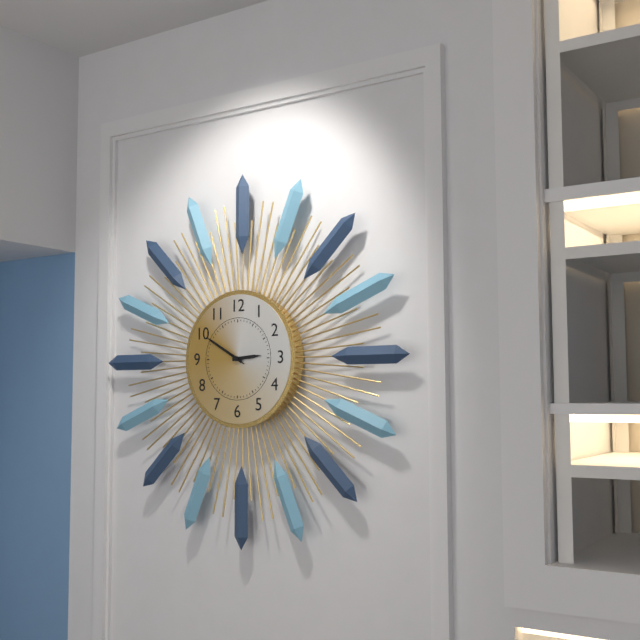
2,50
